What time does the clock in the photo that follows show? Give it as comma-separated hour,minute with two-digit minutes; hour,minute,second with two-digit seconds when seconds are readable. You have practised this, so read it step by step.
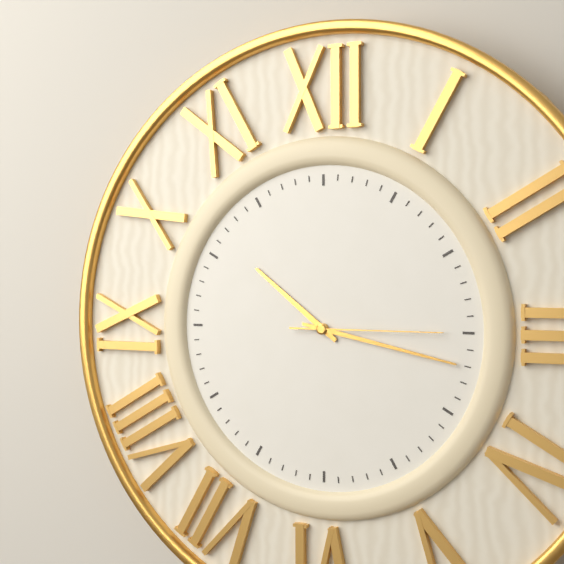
10,17,15
